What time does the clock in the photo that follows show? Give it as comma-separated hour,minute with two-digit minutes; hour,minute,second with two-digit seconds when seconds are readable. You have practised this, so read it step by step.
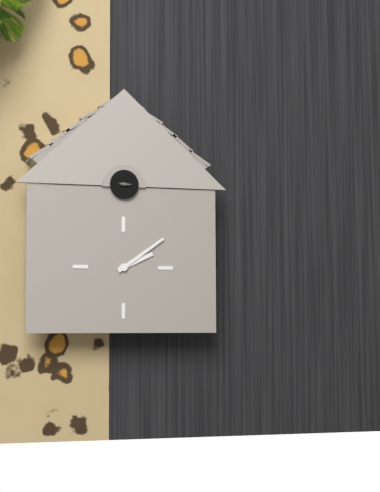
2,09
